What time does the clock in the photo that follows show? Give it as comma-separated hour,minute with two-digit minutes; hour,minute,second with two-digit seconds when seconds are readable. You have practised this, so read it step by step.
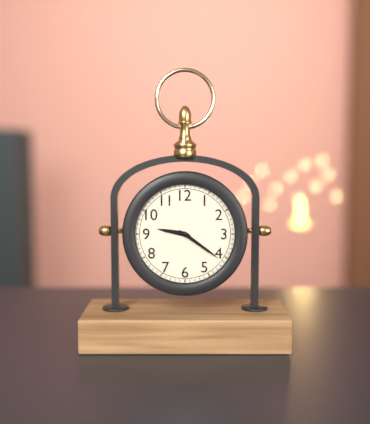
9,21
